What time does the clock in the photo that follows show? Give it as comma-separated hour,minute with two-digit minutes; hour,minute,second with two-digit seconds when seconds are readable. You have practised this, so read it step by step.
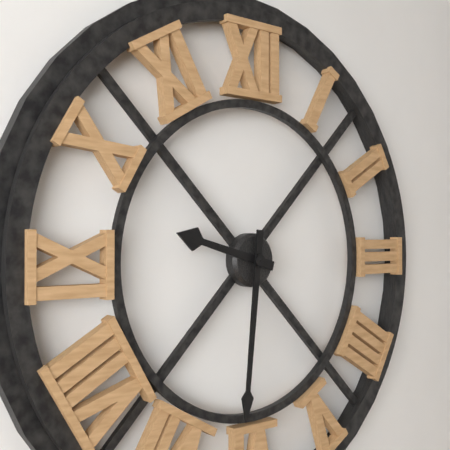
9,31
